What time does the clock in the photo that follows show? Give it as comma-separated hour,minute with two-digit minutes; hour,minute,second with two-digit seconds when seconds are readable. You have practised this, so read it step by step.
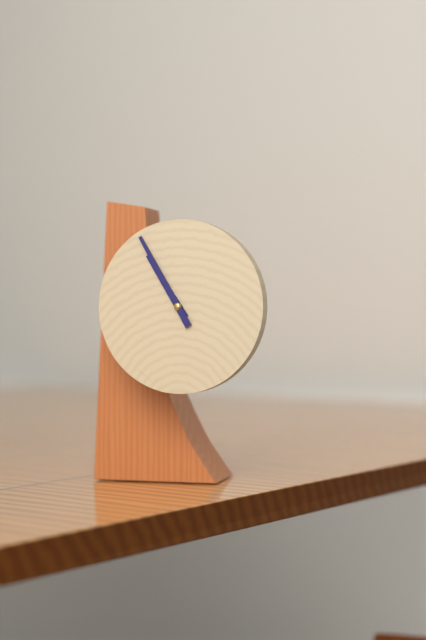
10,55
